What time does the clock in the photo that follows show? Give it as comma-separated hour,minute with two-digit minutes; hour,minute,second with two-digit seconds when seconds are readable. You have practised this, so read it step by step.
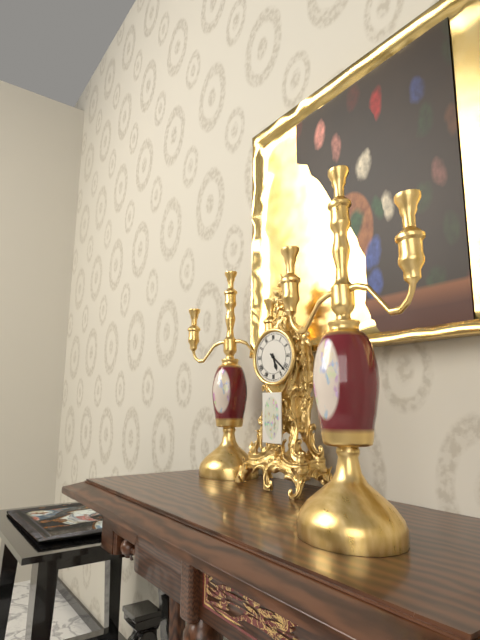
5,22
